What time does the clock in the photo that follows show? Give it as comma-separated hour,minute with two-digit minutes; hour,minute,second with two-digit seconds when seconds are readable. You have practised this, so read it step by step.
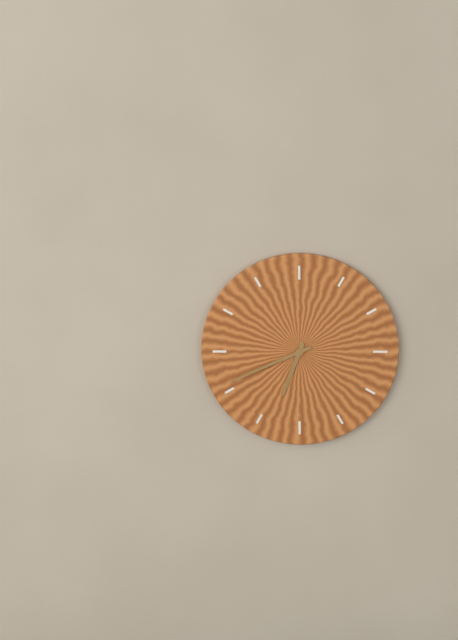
6,41
